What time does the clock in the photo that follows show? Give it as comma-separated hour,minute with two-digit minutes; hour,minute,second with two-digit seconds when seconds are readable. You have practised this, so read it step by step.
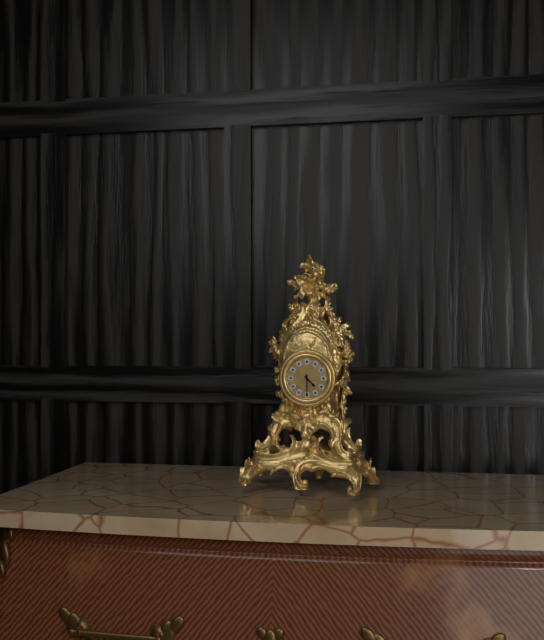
4,30
